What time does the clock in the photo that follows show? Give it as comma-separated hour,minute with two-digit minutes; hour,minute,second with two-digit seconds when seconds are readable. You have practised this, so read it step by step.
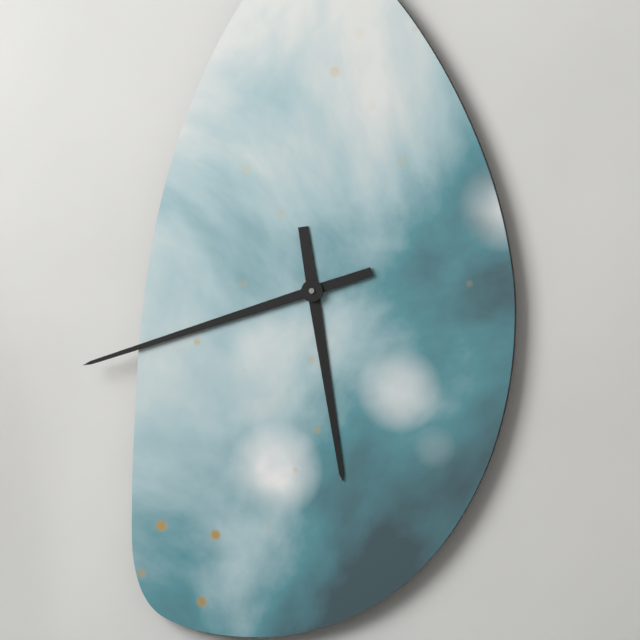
5,42
